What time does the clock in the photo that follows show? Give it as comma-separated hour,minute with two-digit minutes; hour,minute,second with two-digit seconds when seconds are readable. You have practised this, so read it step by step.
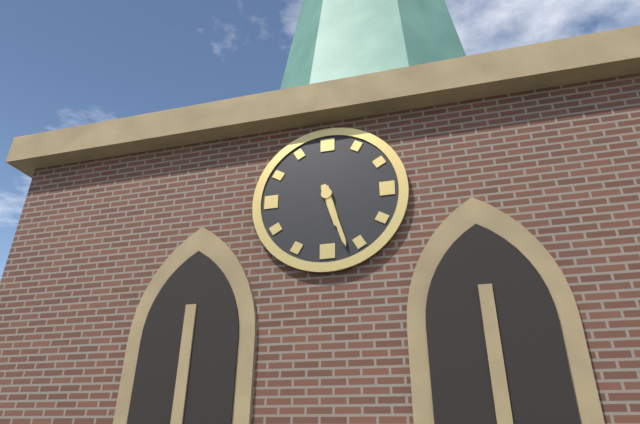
5,27
